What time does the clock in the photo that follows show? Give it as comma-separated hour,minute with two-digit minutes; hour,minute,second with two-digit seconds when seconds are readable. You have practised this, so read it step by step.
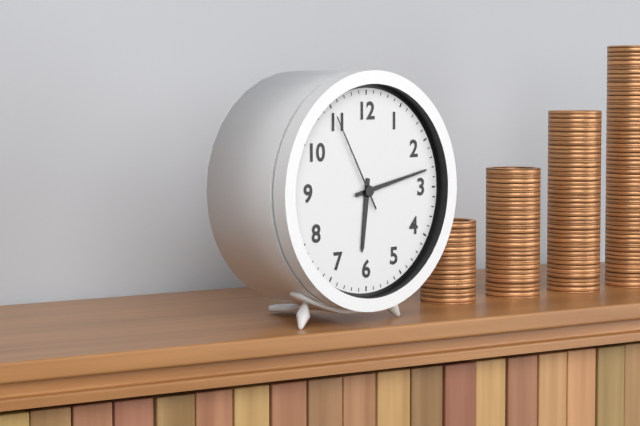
6,13,55
